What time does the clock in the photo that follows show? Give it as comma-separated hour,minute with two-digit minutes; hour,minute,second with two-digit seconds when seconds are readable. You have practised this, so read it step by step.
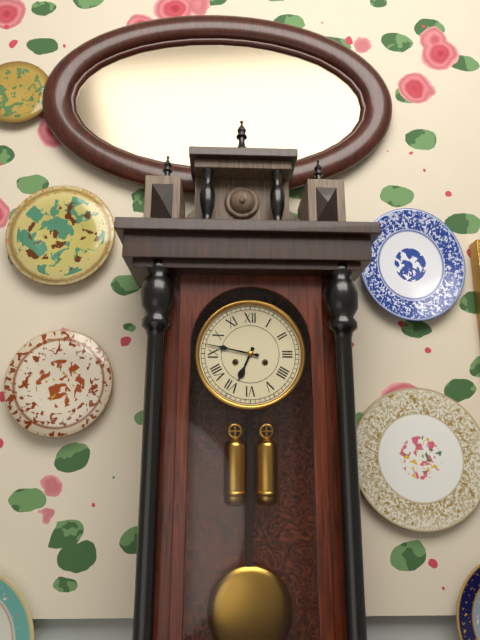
6,47
